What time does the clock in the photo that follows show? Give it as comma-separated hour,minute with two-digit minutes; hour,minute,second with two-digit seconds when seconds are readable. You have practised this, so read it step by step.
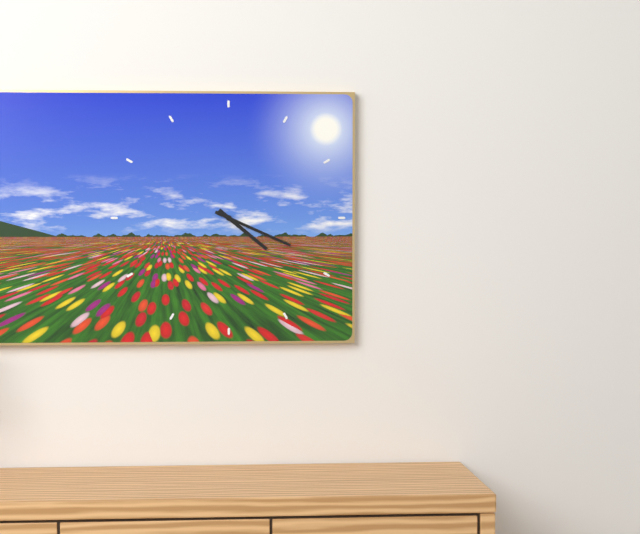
4,19
